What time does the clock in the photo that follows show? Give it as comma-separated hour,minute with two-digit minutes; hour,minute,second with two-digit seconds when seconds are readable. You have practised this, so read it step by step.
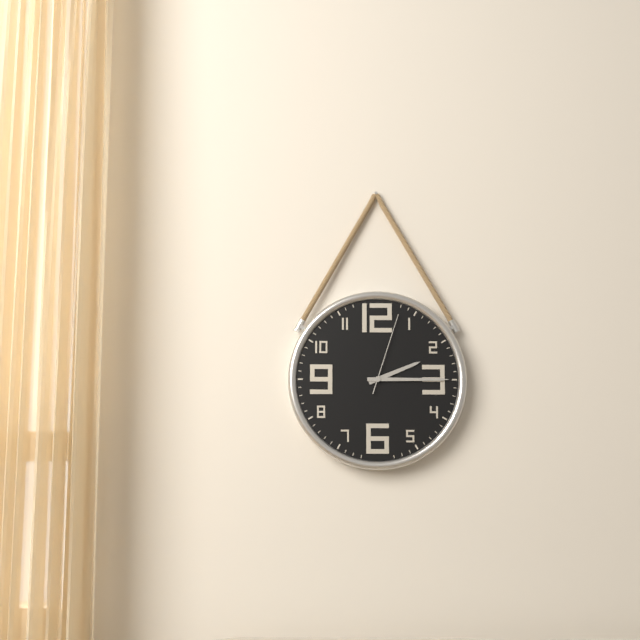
2,15,03
